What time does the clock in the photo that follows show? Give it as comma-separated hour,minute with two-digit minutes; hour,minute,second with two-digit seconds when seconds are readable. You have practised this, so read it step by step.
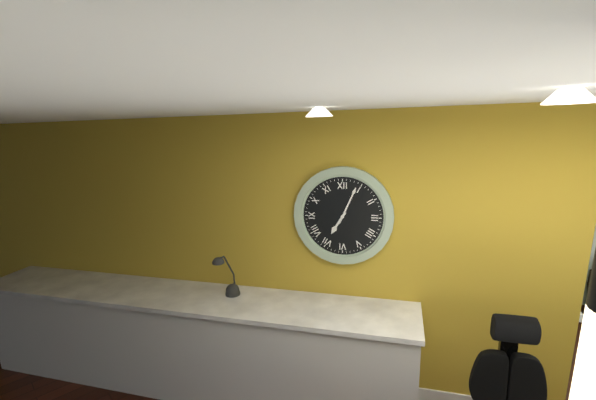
7,04
